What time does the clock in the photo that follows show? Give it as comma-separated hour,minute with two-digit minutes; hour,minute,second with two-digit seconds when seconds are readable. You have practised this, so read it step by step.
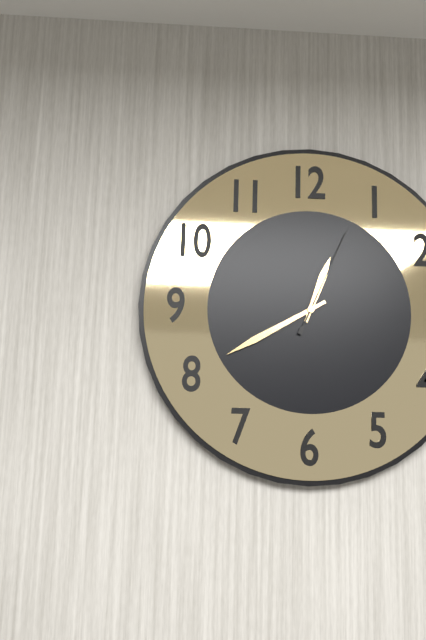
12,40,04
